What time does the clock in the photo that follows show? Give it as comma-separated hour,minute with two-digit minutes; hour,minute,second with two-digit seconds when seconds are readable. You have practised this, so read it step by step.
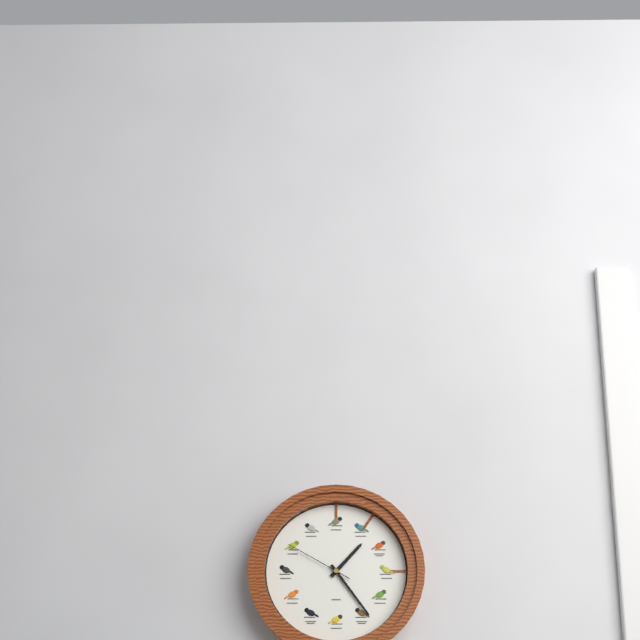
1,24,50
